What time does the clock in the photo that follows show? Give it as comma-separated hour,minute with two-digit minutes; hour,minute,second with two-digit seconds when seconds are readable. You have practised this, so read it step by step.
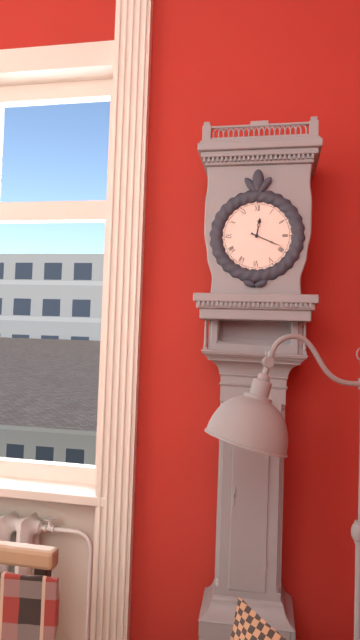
12,19
